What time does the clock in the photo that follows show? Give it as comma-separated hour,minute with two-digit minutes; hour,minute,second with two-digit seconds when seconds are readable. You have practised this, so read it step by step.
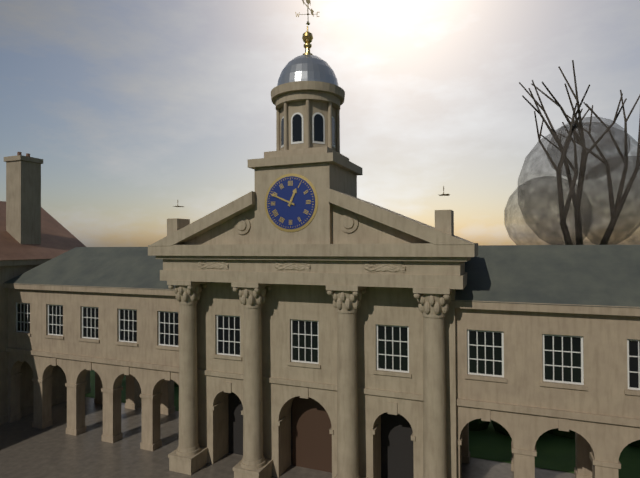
12,49
